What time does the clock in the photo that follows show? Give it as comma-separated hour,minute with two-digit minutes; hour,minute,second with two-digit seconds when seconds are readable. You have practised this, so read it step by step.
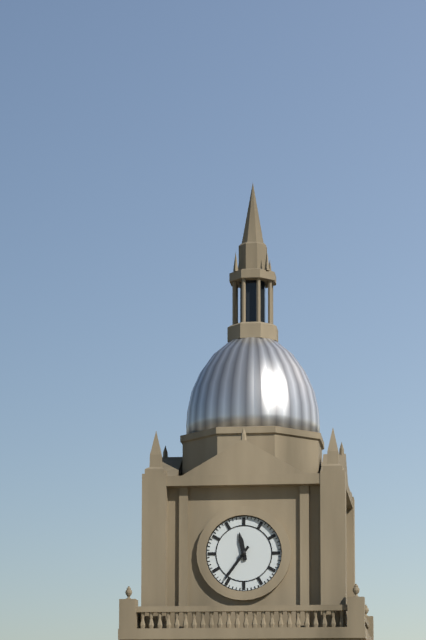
11,36
